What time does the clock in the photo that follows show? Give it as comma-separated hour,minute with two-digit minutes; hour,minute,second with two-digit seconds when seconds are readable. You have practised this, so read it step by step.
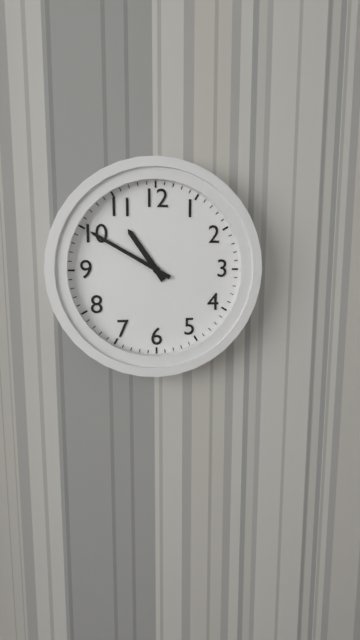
10,50
